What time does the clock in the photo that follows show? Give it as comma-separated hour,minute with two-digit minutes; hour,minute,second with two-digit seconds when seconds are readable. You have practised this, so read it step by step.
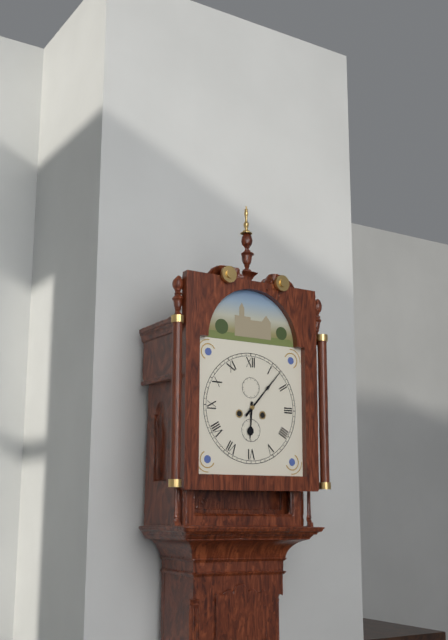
6,07
